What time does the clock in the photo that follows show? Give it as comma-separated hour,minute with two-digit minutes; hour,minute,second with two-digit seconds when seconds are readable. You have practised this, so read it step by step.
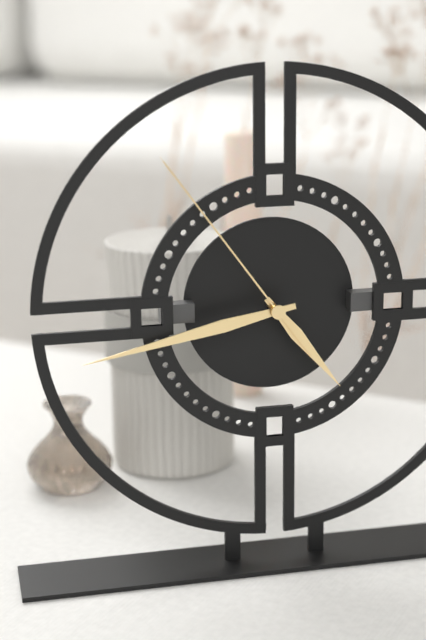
4,43,54
